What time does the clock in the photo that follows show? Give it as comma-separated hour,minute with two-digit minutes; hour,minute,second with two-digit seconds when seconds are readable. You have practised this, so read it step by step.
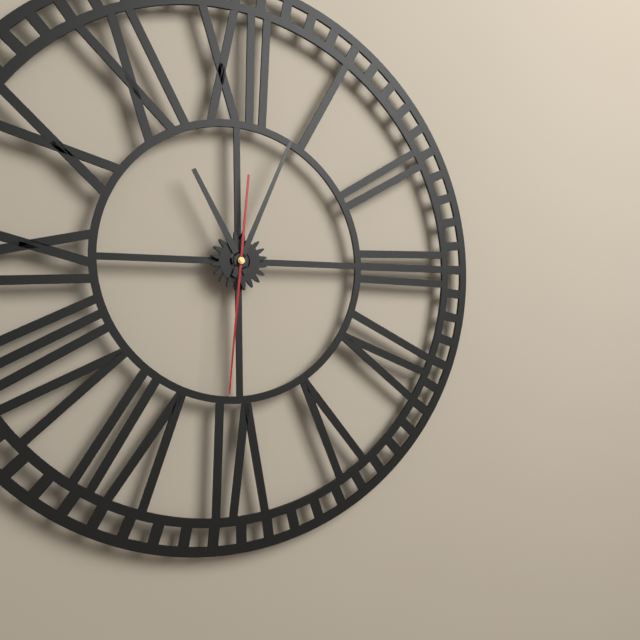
11,04,31
